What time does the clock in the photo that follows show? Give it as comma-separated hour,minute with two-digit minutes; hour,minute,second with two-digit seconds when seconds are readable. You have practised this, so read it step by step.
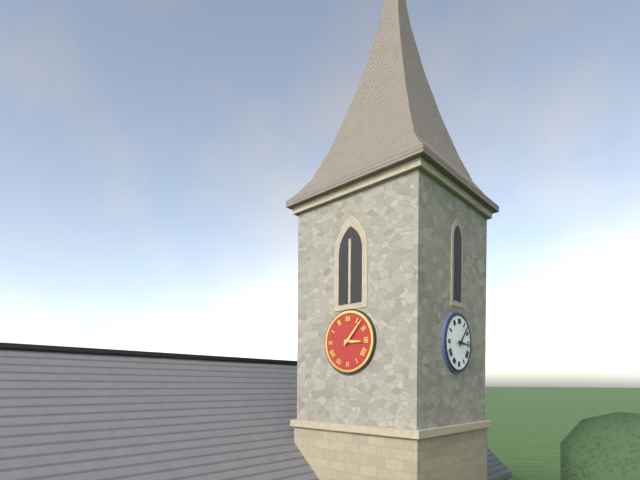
3,07
